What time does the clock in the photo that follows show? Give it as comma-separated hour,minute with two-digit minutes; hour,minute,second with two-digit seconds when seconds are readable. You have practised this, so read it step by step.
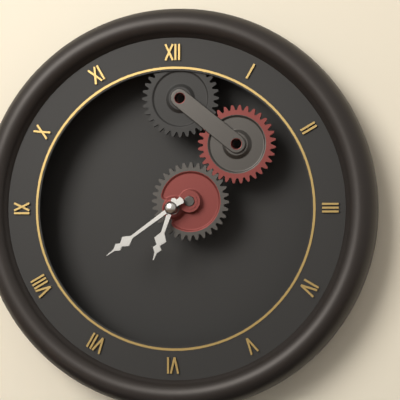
6,39
